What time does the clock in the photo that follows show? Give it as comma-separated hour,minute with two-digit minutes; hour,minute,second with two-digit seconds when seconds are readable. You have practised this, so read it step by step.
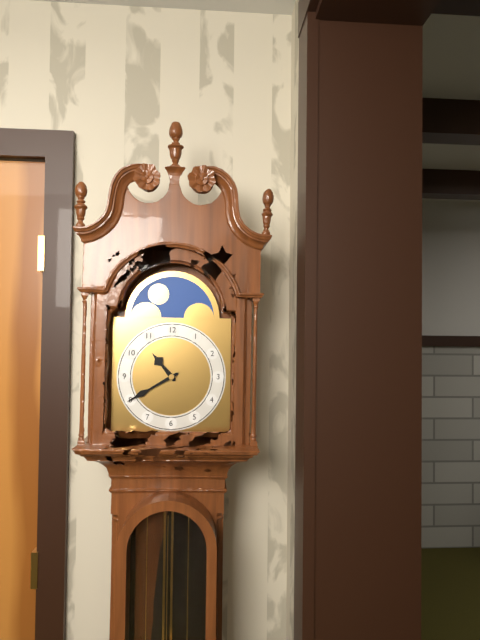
10,40
